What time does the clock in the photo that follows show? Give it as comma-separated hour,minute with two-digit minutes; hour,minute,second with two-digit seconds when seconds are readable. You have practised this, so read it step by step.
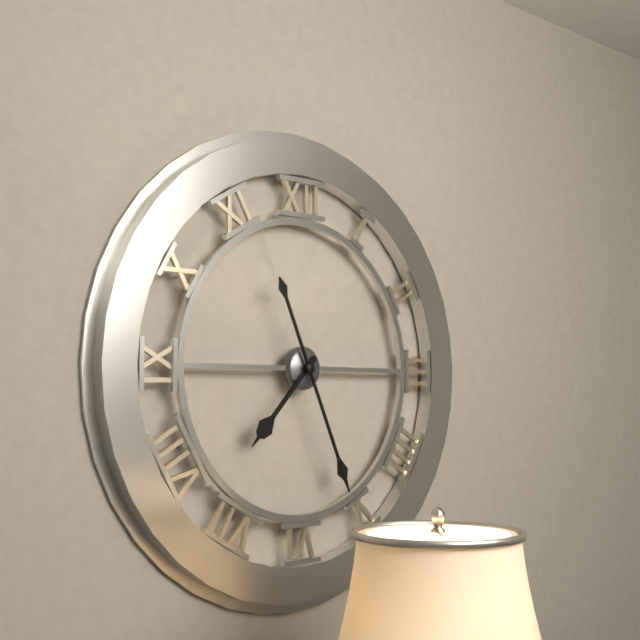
7,26
